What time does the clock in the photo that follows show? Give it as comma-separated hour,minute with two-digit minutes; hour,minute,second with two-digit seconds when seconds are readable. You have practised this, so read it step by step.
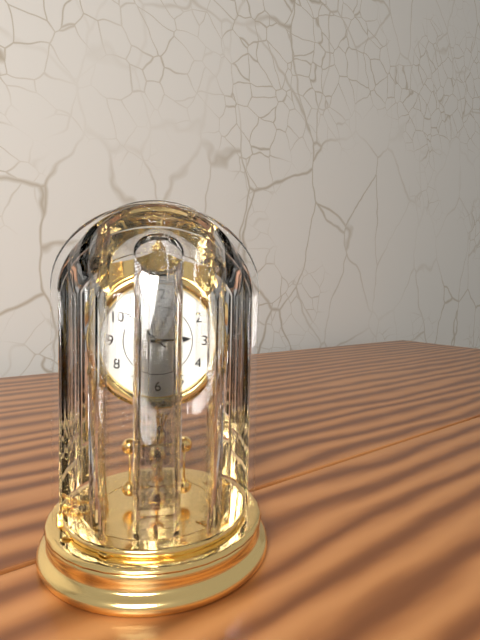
2,52
